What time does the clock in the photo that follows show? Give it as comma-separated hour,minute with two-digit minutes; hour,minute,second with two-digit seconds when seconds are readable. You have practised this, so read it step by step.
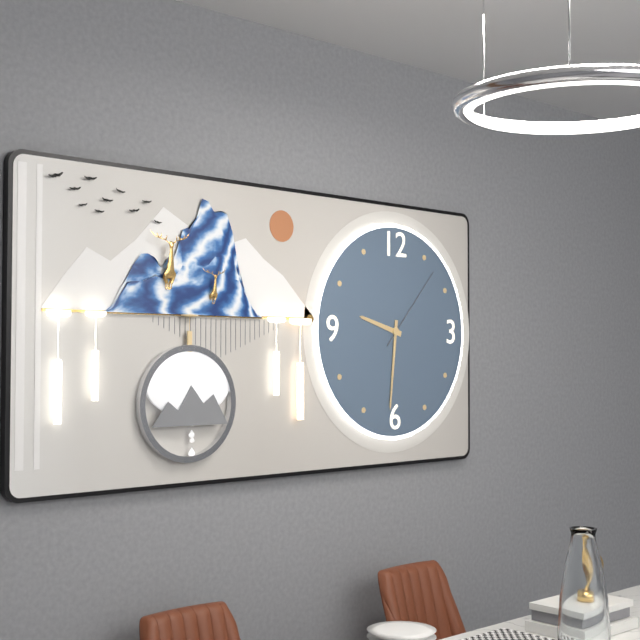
9,31,07
